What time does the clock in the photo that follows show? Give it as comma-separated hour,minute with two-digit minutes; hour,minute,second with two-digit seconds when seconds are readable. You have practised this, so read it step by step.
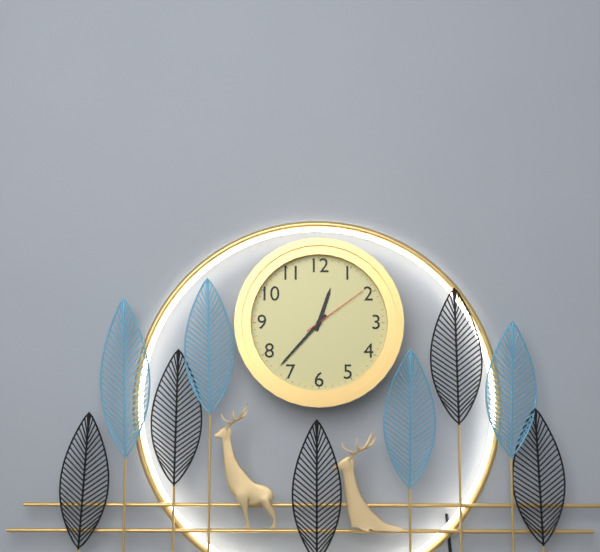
12,37,09
